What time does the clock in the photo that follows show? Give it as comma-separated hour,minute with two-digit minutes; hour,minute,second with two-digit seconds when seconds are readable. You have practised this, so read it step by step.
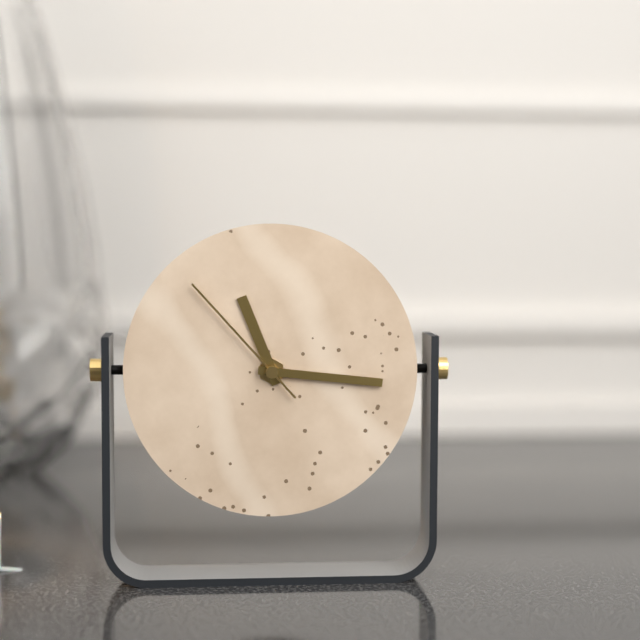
11,16,53
